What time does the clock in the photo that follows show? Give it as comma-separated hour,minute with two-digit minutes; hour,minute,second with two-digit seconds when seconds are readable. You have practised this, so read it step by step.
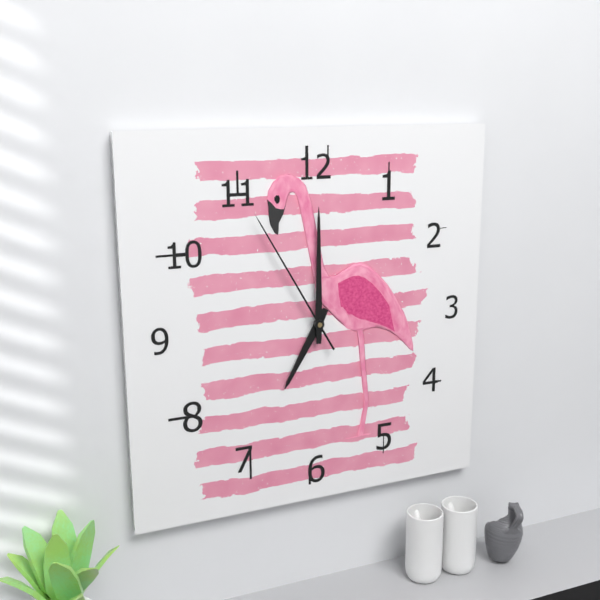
7,00,55
